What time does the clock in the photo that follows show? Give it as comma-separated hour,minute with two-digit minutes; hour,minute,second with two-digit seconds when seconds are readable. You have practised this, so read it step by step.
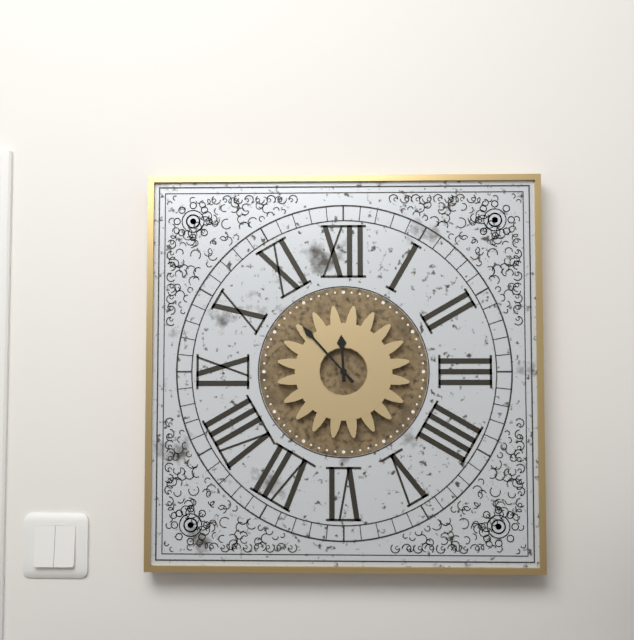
11,53
